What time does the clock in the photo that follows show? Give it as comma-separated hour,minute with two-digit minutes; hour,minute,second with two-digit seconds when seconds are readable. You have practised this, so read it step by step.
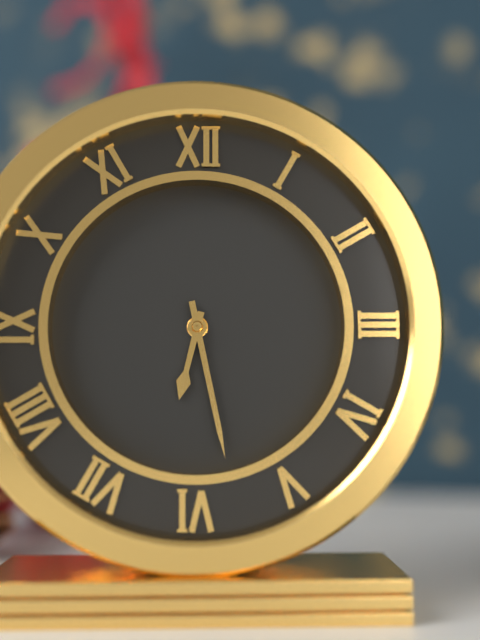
6,28
